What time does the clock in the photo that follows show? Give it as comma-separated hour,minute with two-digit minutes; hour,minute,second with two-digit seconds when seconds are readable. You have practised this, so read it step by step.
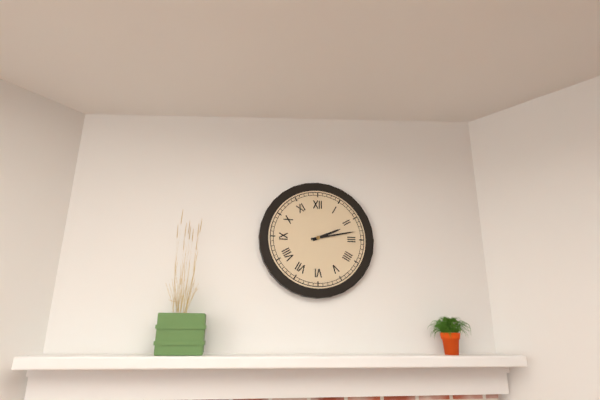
2,13
